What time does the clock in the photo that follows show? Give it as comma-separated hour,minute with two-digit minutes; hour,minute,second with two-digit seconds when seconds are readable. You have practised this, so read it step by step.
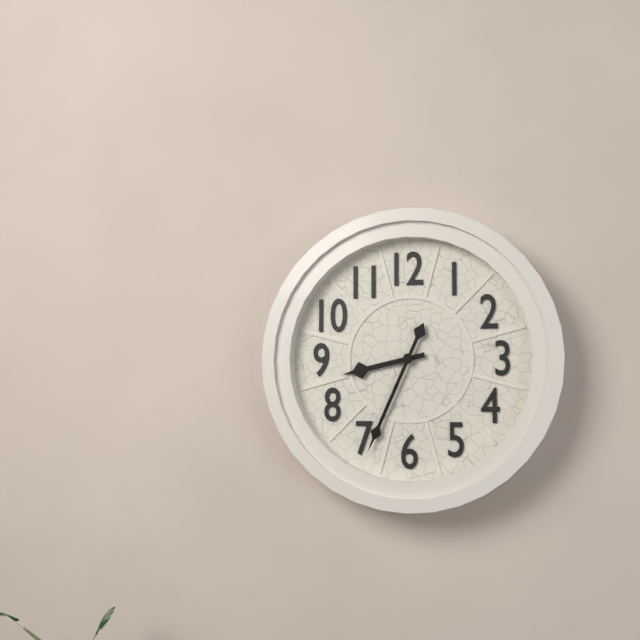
8,34
